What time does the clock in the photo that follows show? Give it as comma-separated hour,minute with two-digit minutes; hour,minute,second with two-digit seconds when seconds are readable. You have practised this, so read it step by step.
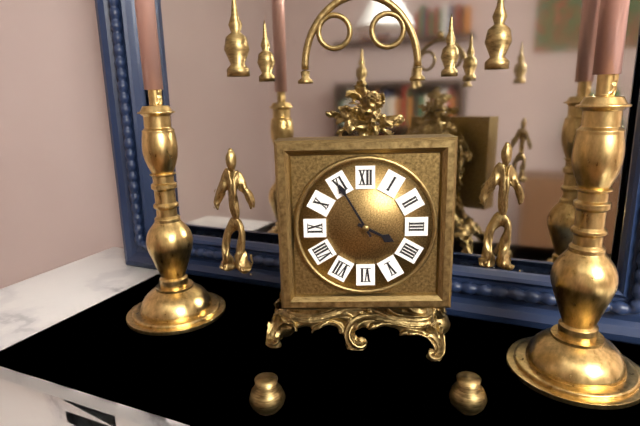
3,55
